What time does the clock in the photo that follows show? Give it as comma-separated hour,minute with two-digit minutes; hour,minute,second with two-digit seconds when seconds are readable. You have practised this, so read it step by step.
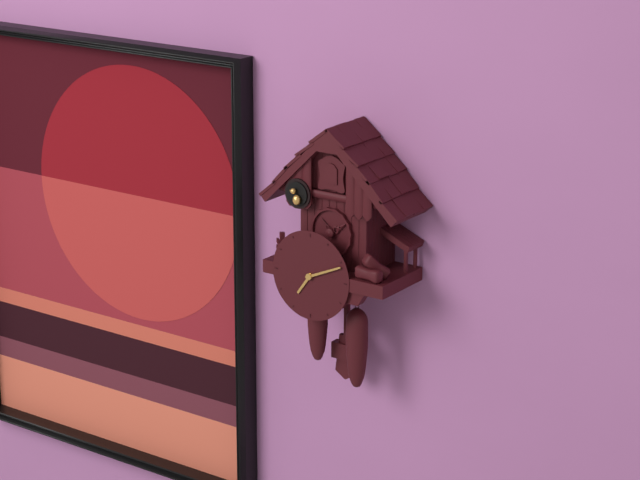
7,11
